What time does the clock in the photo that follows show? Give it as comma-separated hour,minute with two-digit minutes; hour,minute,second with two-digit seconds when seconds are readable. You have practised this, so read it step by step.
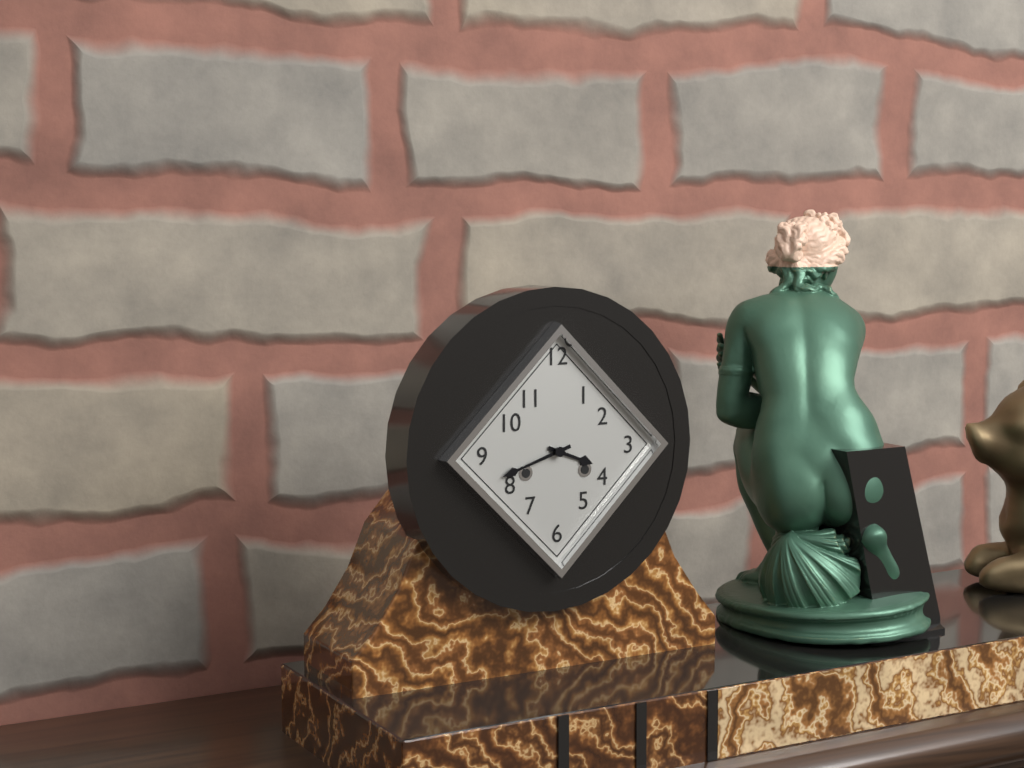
3,42
